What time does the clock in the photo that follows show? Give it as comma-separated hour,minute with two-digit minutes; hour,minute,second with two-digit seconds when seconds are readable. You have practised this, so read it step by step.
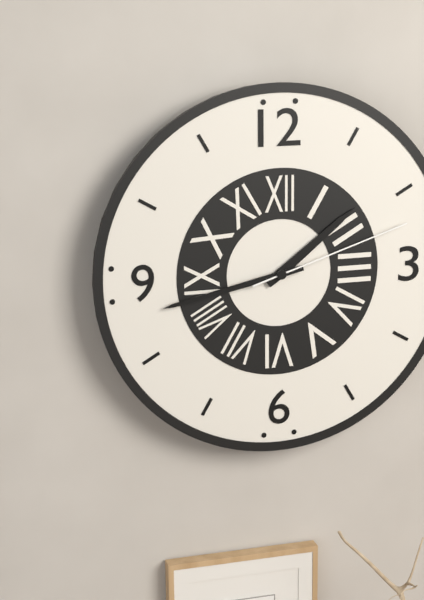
1,43,12
